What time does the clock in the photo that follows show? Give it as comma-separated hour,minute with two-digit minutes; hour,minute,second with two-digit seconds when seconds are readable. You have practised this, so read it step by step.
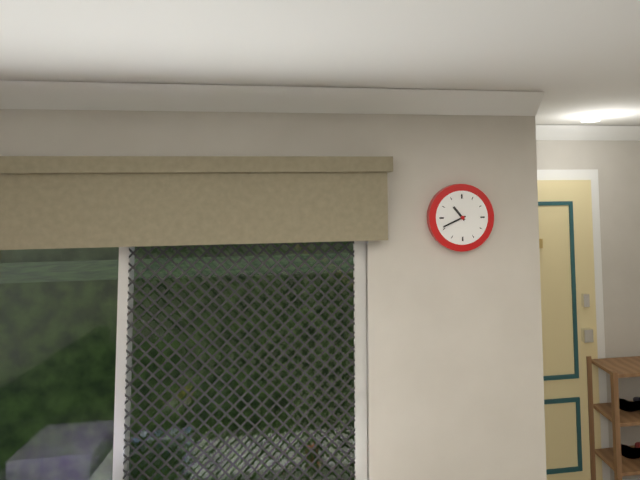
10,41
